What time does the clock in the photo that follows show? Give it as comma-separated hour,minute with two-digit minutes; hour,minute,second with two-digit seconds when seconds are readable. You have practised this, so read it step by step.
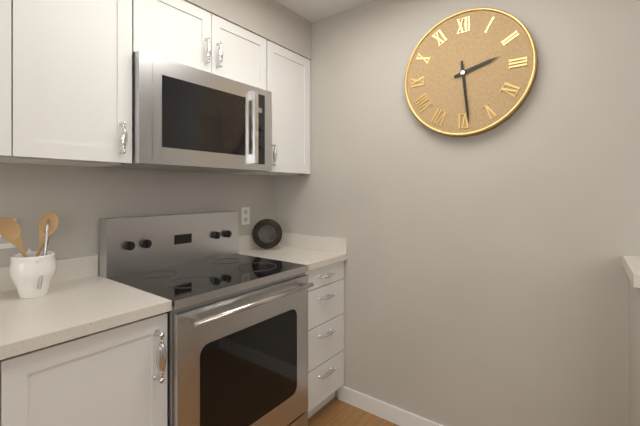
2,29
